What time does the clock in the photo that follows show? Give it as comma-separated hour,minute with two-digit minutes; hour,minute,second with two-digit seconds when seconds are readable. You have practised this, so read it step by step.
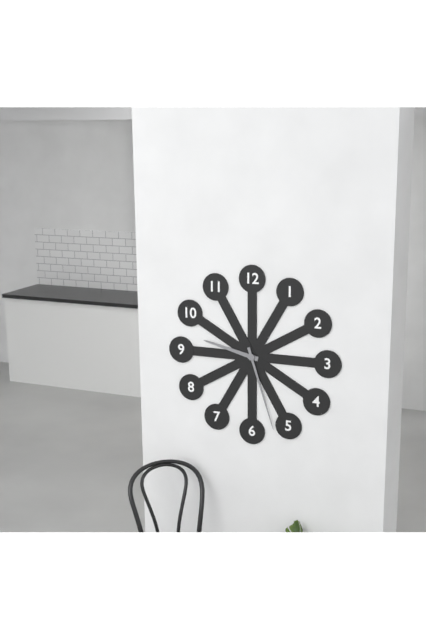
9,27
